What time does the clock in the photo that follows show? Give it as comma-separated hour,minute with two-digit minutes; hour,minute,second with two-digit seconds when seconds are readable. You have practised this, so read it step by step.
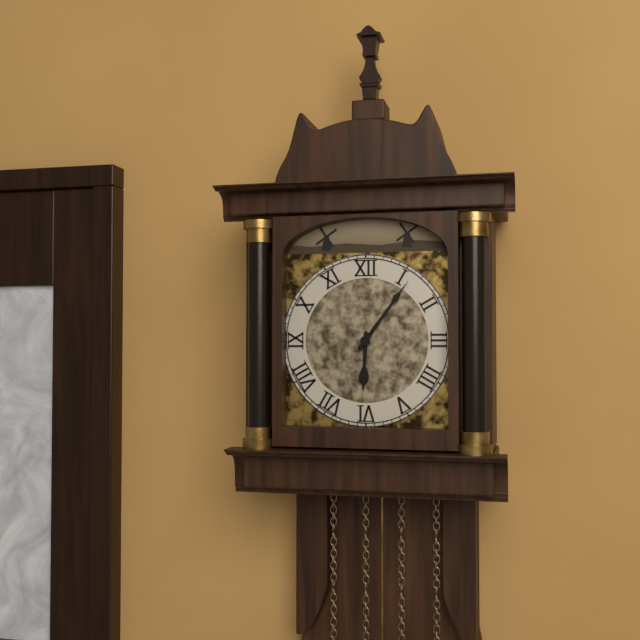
6,06
